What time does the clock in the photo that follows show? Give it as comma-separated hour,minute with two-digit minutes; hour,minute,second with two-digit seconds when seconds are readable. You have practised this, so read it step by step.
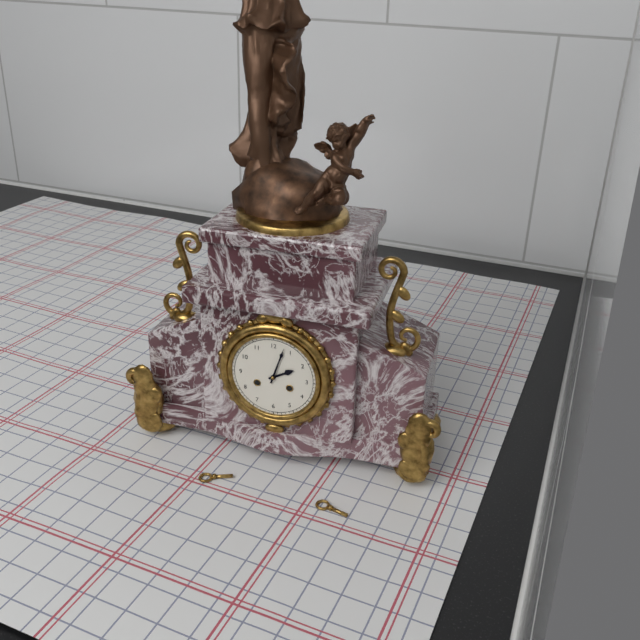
2,03
